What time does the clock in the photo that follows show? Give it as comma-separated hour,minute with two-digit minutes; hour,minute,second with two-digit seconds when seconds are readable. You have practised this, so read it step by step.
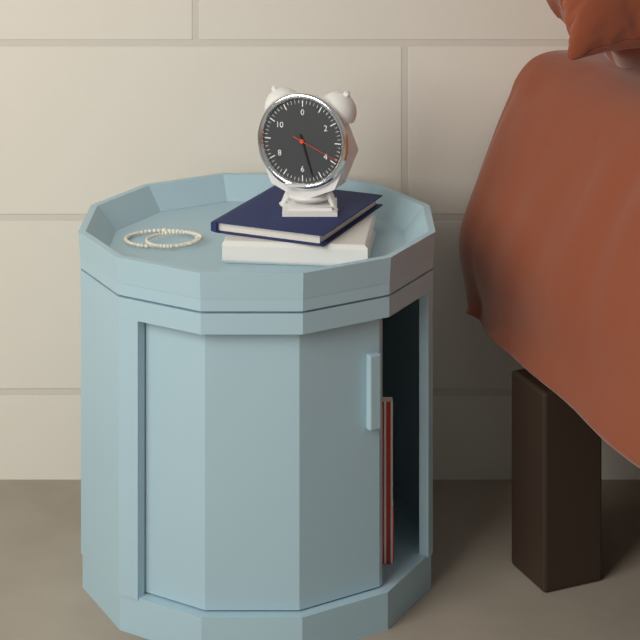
5,27
